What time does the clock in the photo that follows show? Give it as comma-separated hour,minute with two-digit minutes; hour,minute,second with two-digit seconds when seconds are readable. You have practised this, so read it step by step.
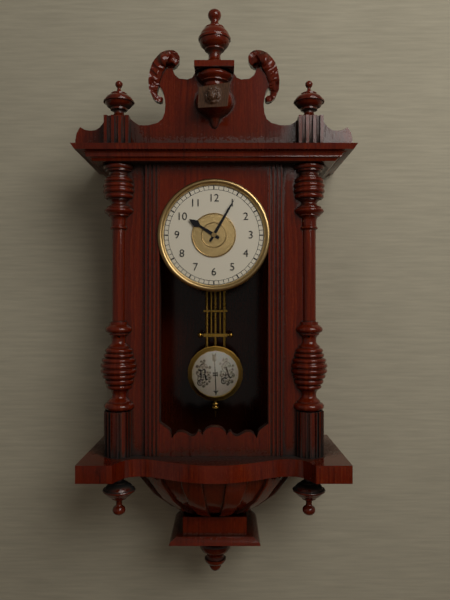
10,05
